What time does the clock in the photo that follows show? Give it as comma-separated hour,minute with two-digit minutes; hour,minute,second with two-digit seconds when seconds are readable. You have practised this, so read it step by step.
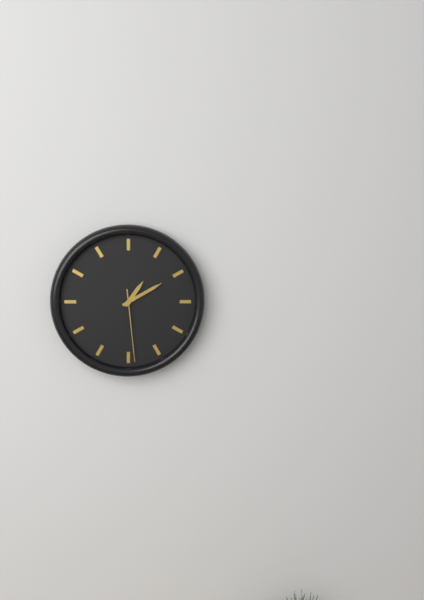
1,10,29
